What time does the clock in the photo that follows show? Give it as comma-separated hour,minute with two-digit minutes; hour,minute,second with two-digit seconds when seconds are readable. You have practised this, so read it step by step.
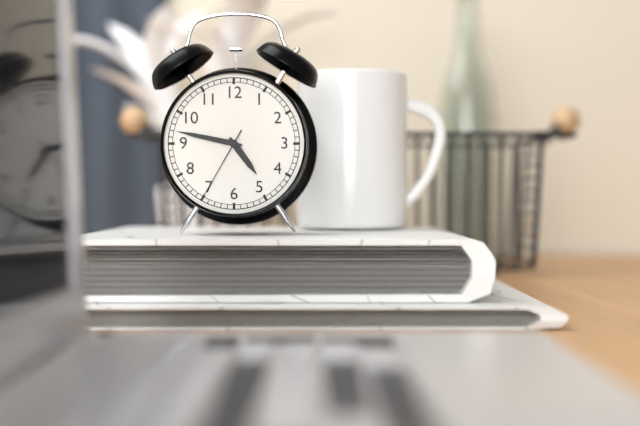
4,47,35
